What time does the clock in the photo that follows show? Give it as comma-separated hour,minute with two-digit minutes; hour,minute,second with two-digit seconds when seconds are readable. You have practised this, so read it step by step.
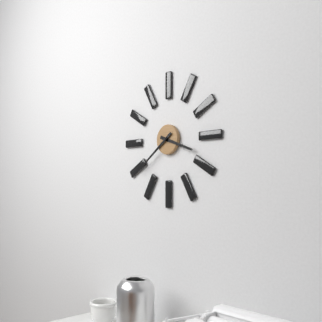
3,39
